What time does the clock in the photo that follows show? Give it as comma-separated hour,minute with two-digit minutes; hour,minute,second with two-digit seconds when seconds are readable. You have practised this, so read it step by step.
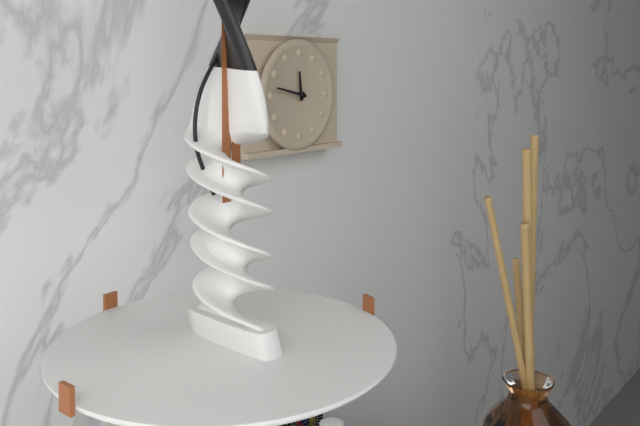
11,47
